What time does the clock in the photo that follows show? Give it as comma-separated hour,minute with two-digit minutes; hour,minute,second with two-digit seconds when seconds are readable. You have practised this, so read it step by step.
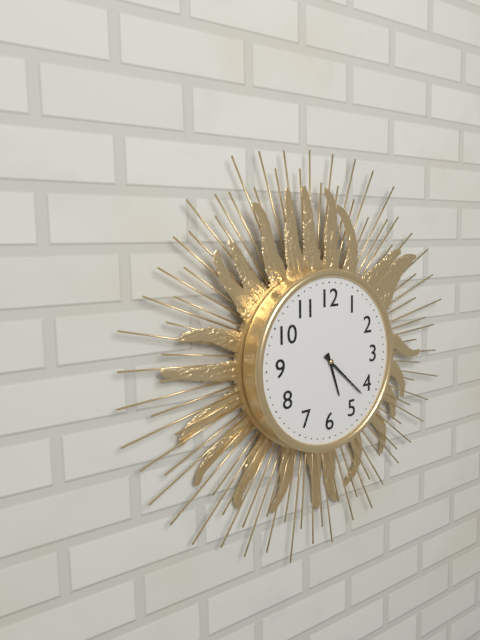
5,22
